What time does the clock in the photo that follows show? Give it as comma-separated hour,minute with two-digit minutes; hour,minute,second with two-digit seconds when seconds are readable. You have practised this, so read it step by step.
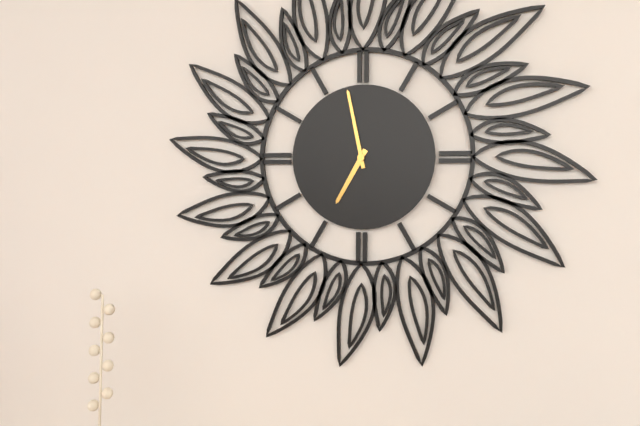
6,58
